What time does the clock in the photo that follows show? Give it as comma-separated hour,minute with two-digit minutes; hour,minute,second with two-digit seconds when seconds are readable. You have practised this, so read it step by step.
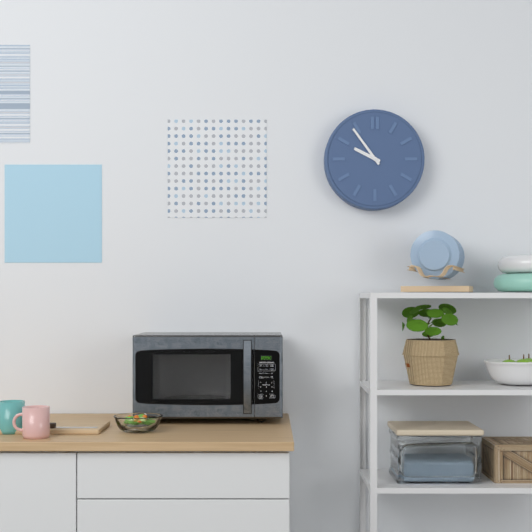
9,54
